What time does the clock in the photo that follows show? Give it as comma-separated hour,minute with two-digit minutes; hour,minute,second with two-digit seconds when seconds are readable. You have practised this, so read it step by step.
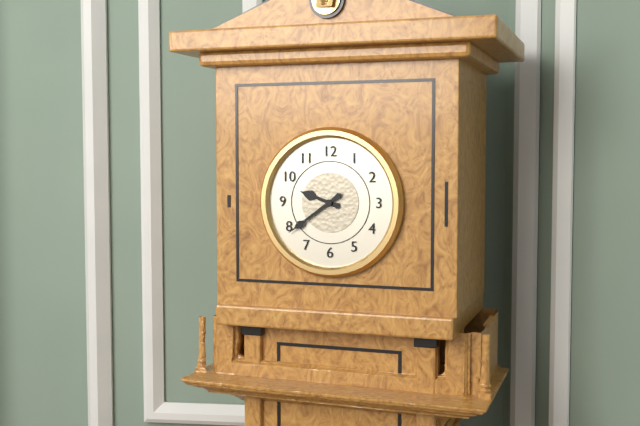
9,39
